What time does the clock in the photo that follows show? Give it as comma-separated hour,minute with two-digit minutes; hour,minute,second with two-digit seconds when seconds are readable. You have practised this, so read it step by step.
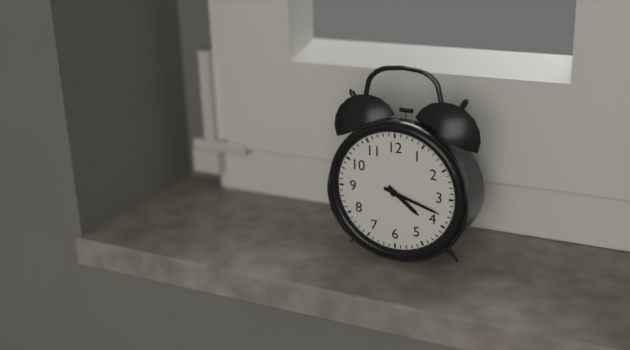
4,18
